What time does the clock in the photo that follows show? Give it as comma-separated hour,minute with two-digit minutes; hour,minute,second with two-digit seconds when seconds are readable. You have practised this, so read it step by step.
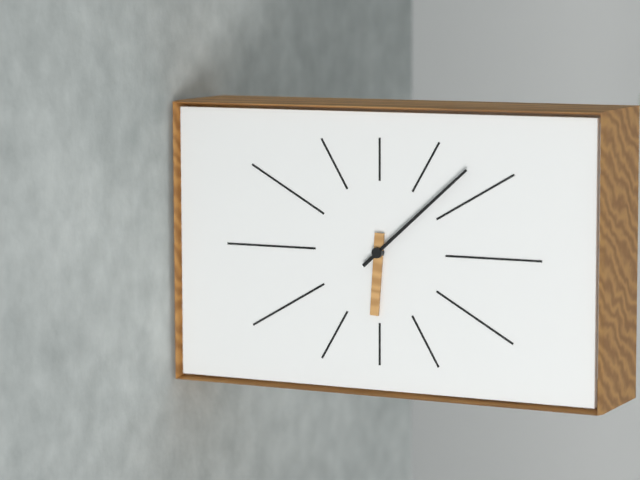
6,08
